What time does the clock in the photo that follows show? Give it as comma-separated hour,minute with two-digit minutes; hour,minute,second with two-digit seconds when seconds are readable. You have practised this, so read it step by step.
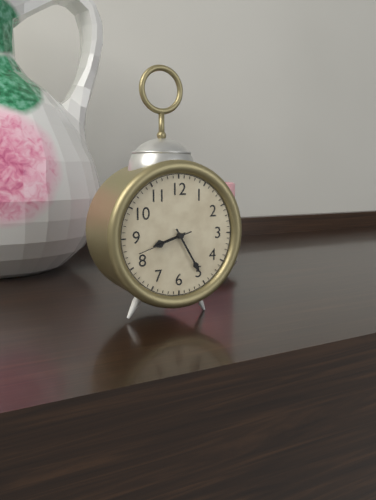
8,25,42
